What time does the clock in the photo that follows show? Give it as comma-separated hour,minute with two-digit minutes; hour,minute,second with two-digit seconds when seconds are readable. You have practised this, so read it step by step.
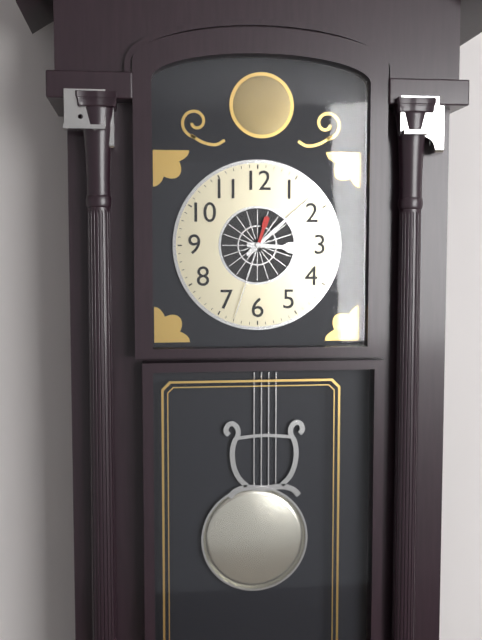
3,08,33
